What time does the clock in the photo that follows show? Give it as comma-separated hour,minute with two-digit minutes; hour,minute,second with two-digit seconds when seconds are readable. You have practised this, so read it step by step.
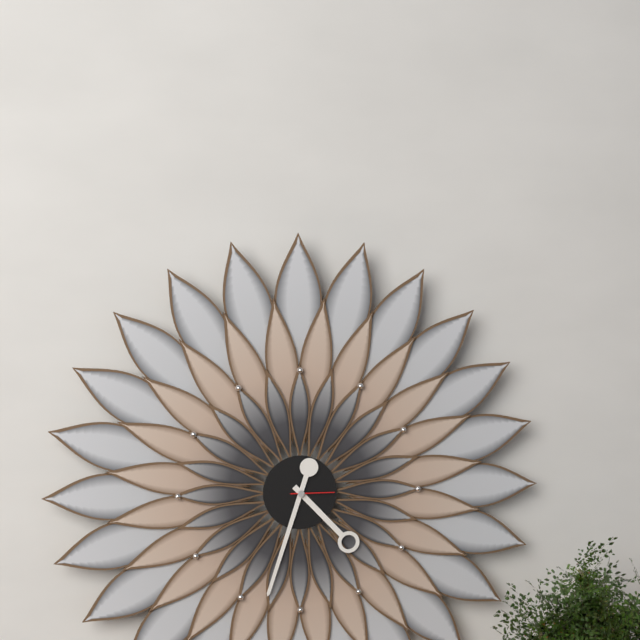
4,33
